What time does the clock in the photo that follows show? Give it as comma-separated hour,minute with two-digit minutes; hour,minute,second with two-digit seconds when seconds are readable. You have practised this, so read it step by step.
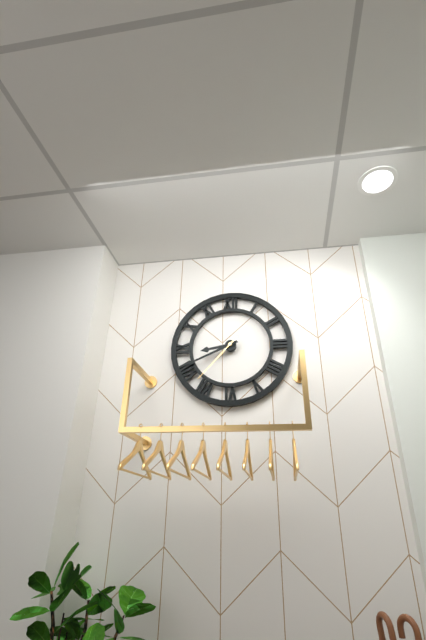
8,41,37
